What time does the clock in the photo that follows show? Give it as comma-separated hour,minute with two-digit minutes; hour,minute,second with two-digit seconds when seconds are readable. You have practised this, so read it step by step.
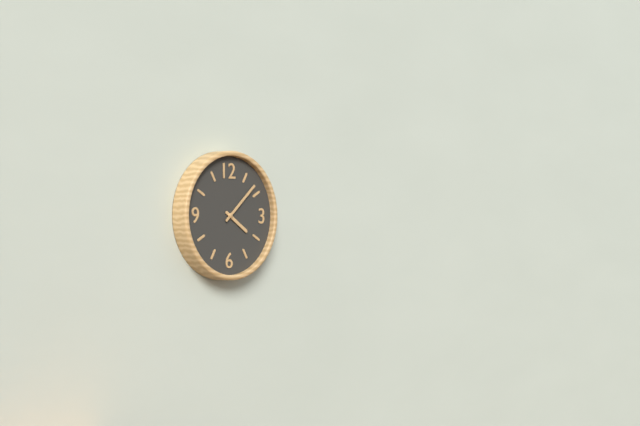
4,08
